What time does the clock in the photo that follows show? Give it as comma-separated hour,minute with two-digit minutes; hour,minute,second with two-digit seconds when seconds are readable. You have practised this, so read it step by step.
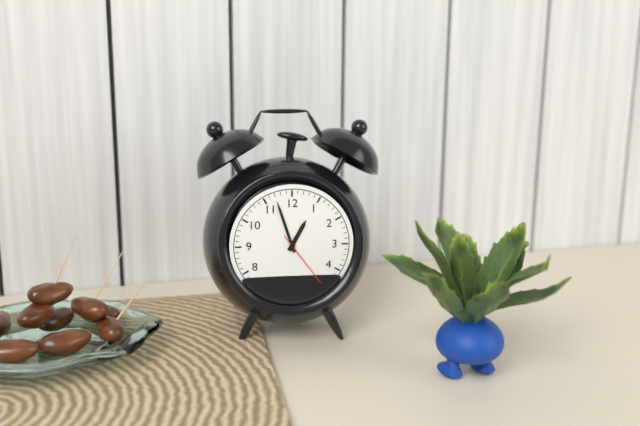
12,57,24
